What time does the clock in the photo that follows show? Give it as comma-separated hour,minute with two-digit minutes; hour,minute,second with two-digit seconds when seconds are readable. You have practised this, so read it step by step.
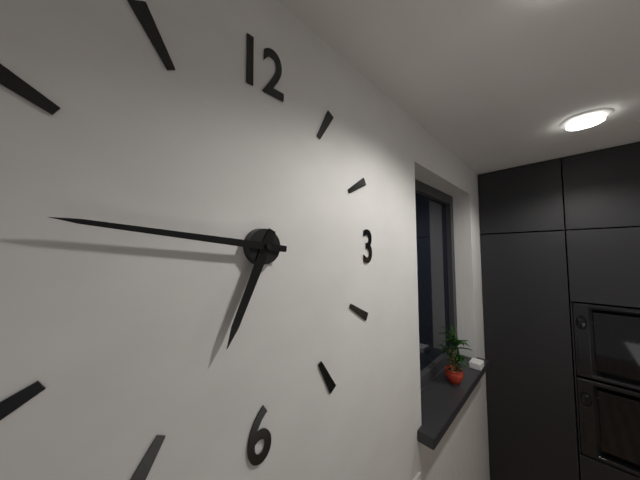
6,46
